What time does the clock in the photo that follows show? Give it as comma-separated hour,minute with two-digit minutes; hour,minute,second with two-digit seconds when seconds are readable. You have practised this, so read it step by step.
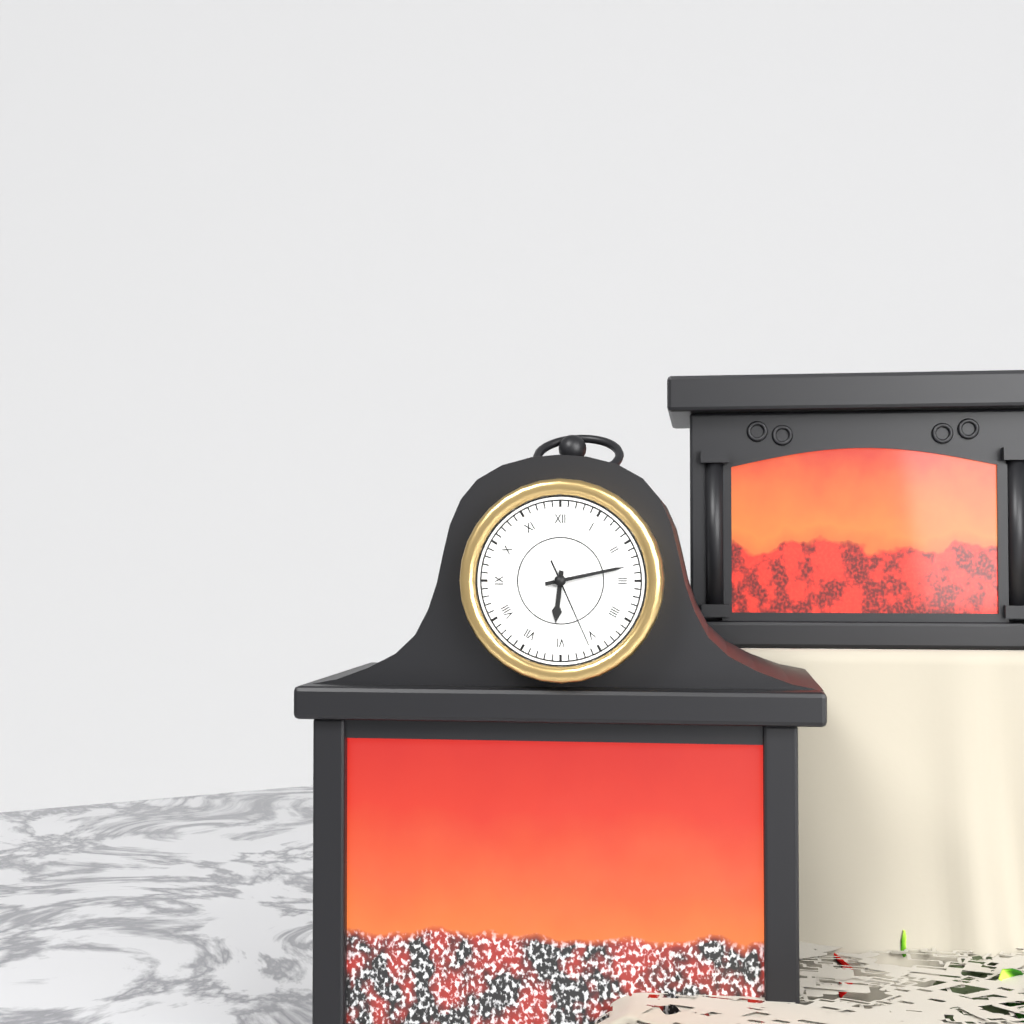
6,13,26
